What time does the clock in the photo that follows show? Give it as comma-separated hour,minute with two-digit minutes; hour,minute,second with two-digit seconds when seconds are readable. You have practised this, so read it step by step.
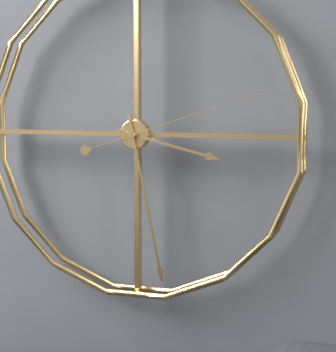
3,28,12
